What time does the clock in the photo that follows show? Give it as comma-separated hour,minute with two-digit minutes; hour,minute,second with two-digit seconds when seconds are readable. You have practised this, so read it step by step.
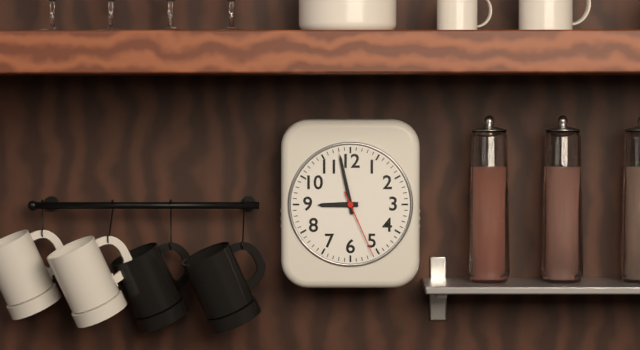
8,58,26
